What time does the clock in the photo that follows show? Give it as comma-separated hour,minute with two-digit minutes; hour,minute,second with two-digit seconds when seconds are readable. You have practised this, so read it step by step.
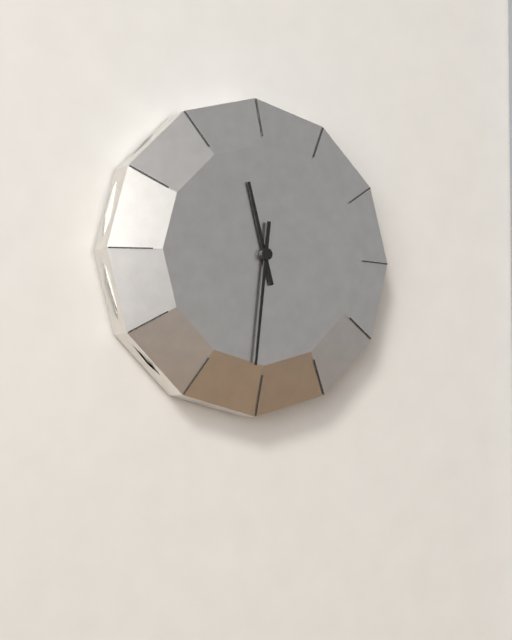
11,31
